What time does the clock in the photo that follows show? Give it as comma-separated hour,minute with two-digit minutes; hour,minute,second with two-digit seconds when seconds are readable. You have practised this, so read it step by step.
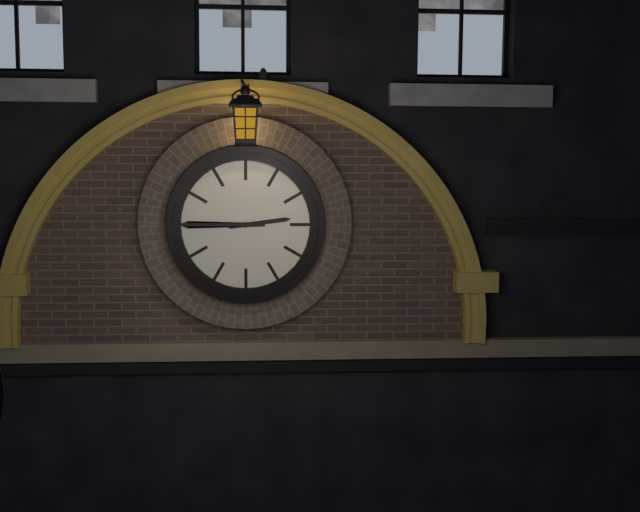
2,45
